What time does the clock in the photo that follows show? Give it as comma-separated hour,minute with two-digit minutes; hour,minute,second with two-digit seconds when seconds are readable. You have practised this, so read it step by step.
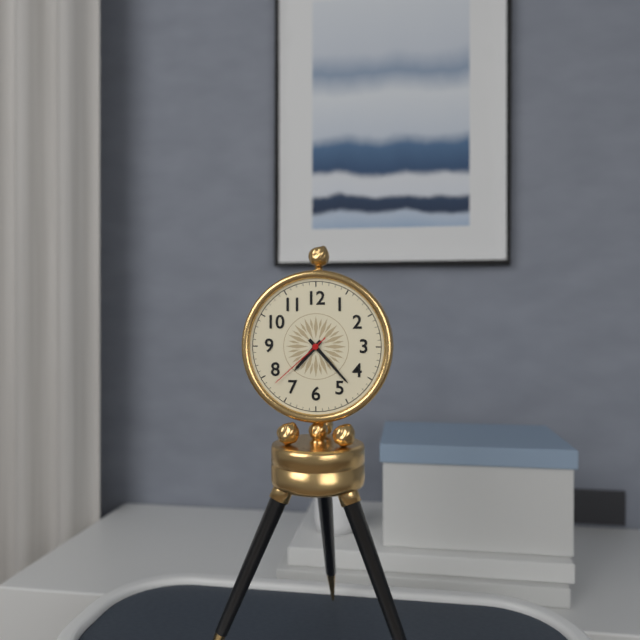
7,23,38
